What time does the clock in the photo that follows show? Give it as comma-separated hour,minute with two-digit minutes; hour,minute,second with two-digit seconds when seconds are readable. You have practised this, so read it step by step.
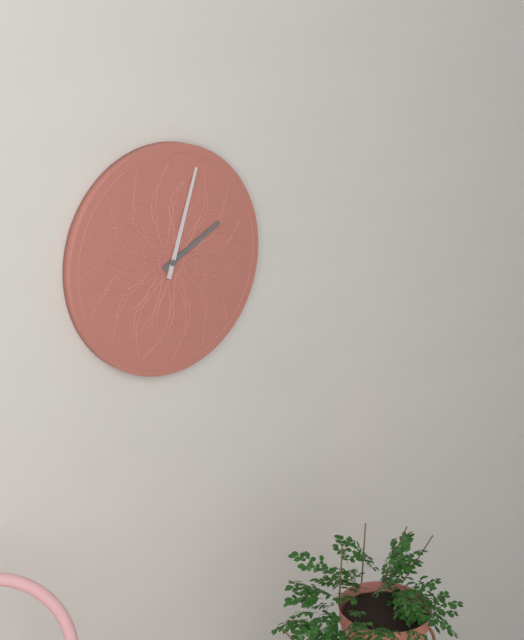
2,03
